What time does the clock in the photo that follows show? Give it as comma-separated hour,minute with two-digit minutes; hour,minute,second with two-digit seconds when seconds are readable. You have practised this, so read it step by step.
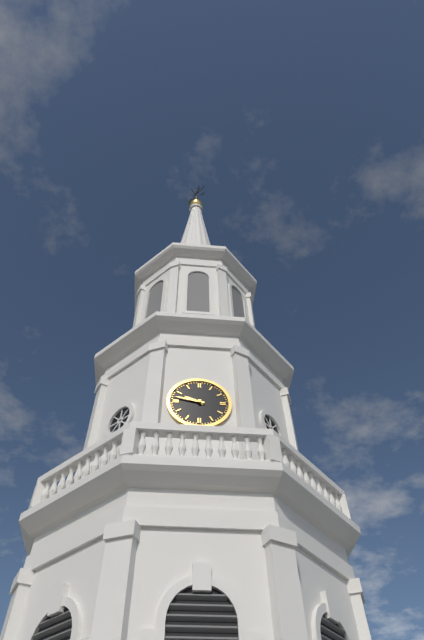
9,47
